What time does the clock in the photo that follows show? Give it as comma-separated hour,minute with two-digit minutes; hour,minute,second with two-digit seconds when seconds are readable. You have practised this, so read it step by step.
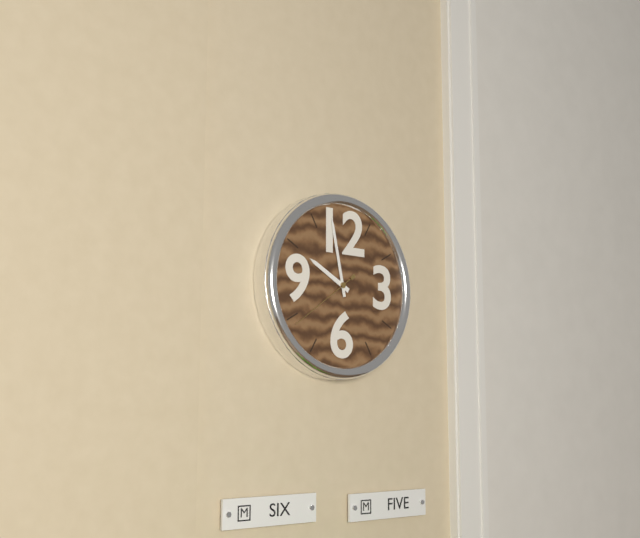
9,58,39
